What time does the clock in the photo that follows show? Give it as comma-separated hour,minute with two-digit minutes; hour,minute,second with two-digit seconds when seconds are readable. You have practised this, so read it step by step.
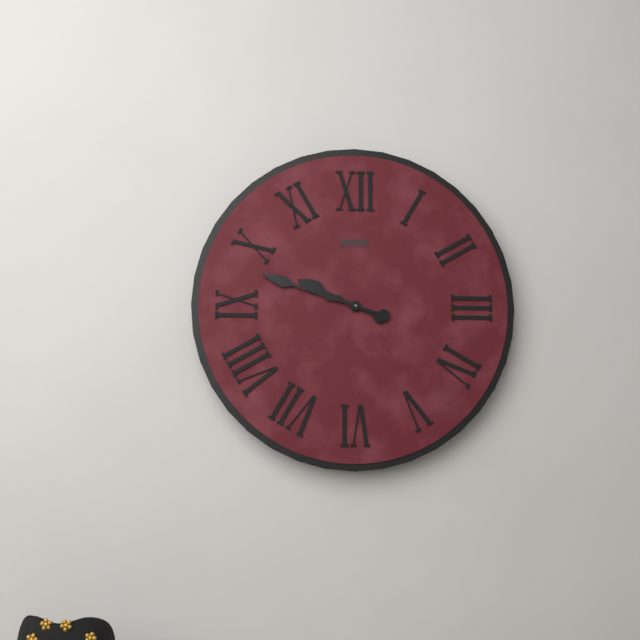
9,48
